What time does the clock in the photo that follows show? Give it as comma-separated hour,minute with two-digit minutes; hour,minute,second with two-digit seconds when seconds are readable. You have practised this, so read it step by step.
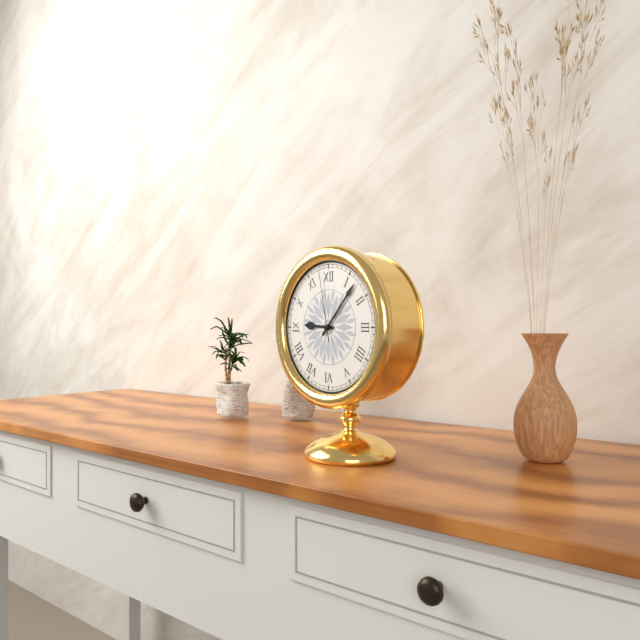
9,07,58
